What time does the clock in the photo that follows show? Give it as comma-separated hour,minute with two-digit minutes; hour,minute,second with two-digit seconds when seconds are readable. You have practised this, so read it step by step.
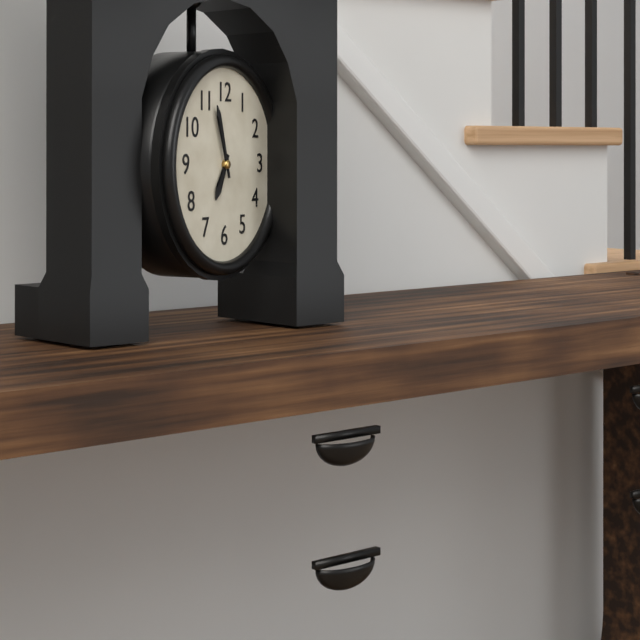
6,57
